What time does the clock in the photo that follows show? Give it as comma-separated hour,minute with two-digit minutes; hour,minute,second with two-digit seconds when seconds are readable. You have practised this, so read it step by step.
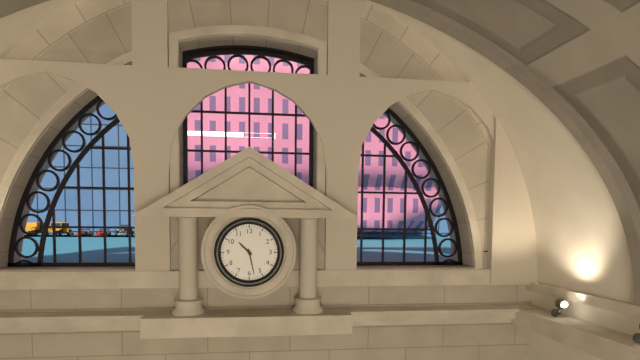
10,28
